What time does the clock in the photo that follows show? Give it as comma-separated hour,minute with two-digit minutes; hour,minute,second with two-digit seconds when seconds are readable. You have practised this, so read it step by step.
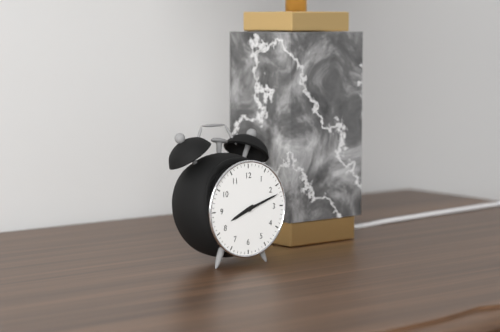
8,12
